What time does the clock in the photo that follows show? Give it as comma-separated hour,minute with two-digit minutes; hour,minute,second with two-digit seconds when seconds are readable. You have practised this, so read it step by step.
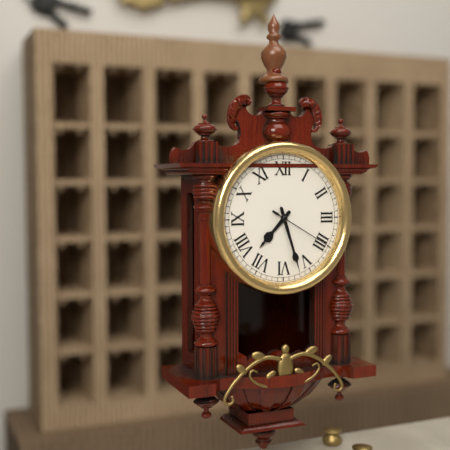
7,27,20
